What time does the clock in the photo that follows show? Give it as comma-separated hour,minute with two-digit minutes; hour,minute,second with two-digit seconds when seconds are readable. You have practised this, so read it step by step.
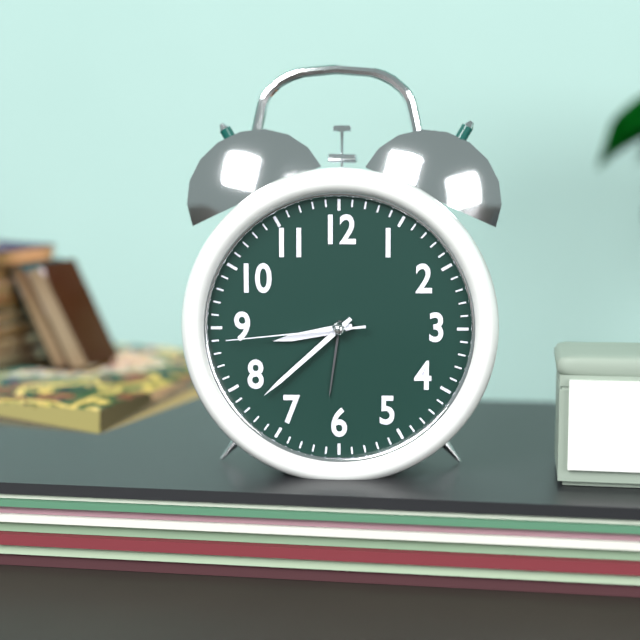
8,38,44
